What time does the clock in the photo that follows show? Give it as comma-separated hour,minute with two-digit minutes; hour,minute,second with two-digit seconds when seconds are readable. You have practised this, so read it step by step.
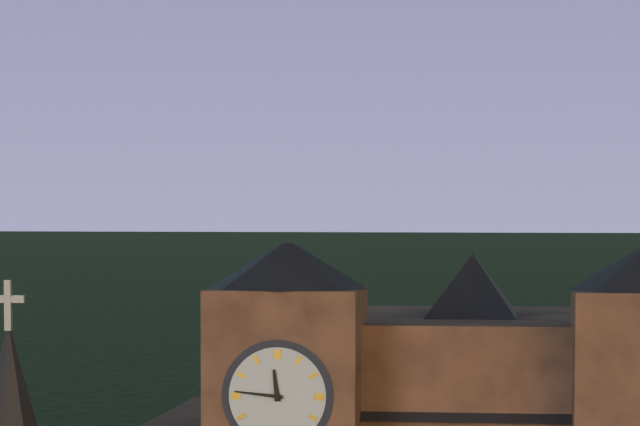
11,46
